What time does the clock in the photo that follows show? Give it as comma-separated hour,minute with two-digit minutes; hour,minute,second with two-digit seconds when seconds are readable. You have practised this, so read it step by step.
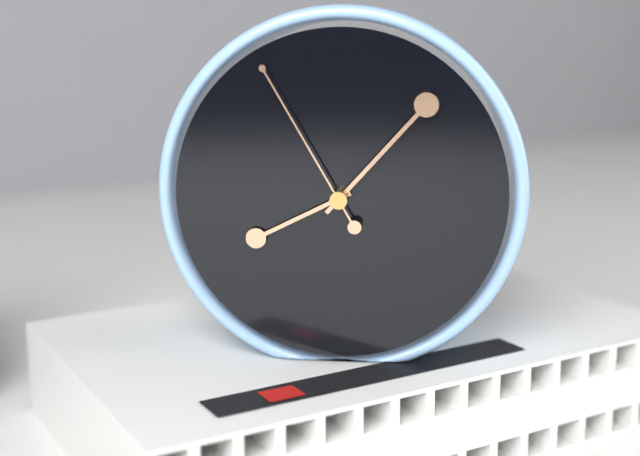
8,07,55
